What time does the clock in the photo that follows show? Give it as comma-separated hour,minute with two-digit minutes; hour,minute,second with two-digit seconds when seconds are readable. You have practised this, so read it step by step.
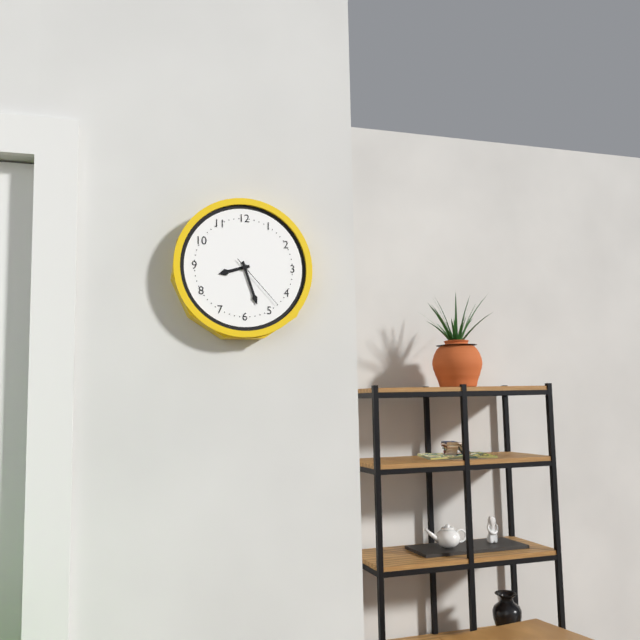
8,27,23
